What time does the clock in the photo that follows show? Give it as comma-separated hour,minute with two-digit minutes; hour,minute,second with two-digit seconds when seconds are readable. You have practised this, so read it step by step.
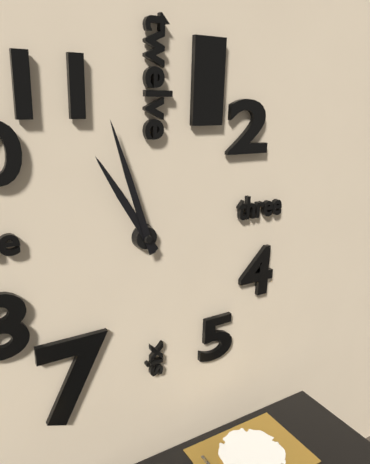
10,57
